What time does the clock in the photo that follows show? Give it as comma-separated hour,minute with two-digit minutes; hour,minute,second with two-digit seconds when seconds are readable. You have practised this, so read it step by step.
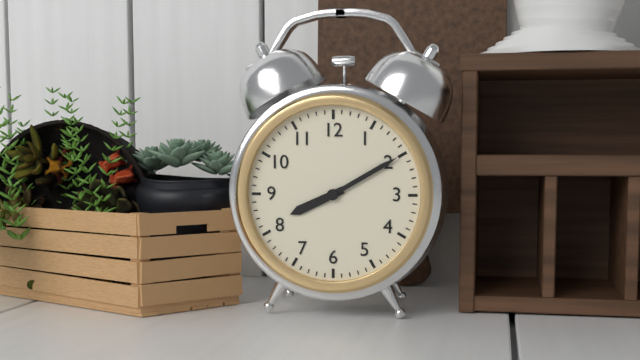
8,10
